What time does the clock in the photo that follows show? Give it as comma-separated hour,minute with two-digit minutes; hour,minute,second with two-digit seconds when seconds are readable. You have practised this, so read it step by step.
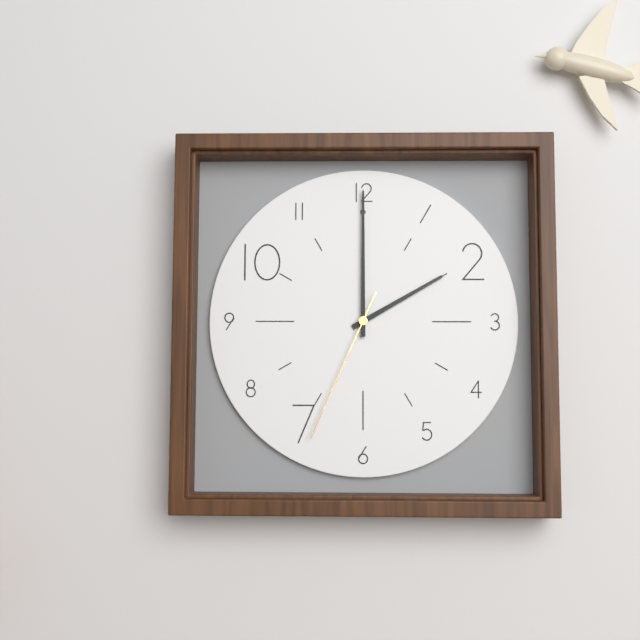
2,00,34
